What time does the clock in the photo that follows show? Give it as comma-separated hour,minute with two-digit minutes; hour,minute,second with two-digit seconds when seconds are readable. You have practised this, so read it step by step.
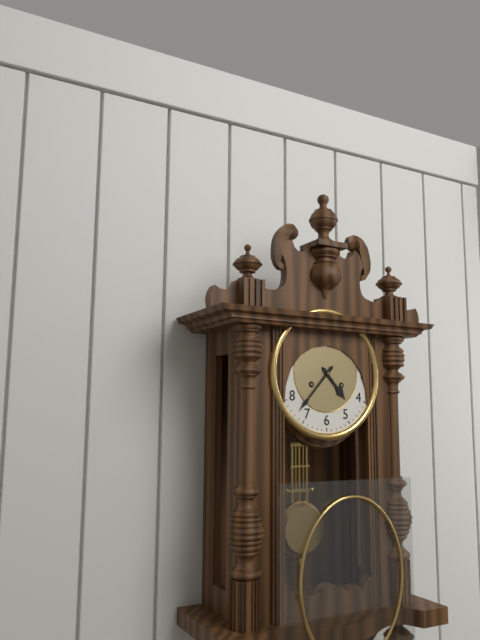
4,37
